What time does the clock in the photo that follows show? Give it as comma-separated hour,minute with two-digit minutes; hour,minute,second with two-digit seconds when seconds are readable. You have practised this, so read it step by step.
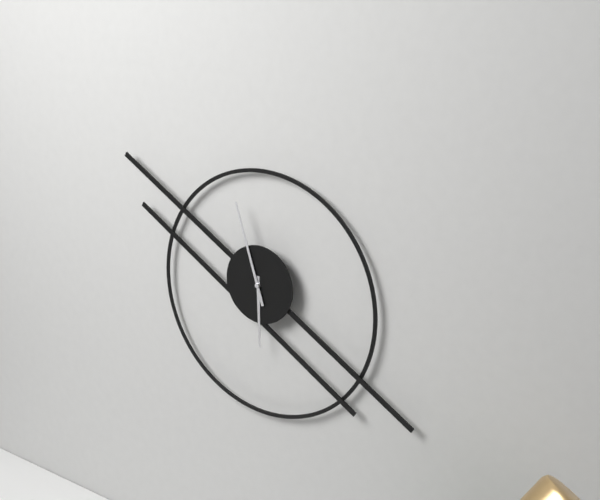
5,57
